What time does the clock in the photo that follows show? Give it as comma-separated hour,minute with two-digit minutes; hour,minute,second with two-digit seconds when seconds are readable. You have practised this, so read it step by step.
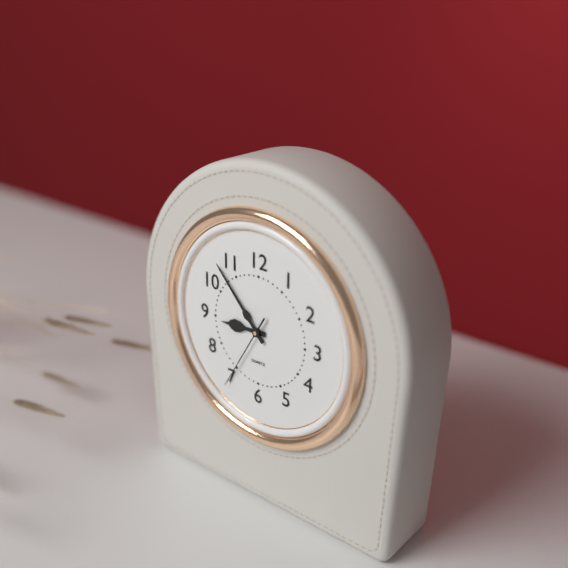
8,53,35
